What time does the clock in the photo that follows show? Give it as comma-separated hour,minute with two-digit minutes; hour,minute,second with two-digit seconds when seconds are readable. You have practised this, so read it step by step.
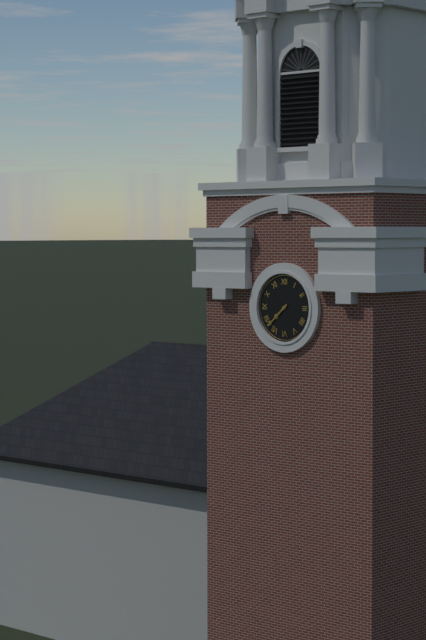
7,38
